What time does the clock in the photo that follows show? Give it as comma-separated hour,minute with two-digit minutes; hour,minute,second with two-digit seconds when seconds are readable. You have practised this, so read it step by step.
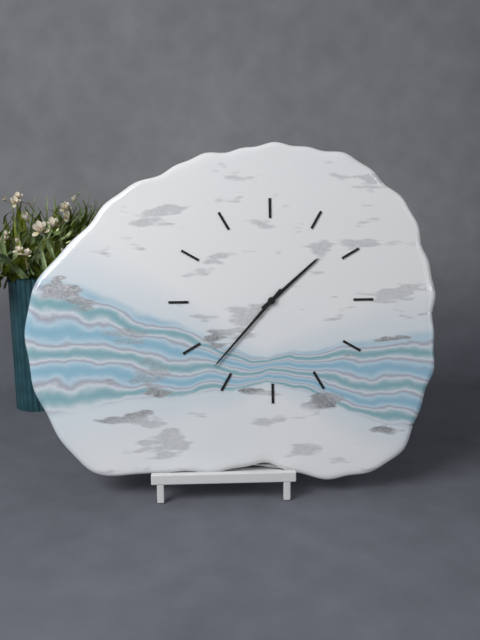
1,37
